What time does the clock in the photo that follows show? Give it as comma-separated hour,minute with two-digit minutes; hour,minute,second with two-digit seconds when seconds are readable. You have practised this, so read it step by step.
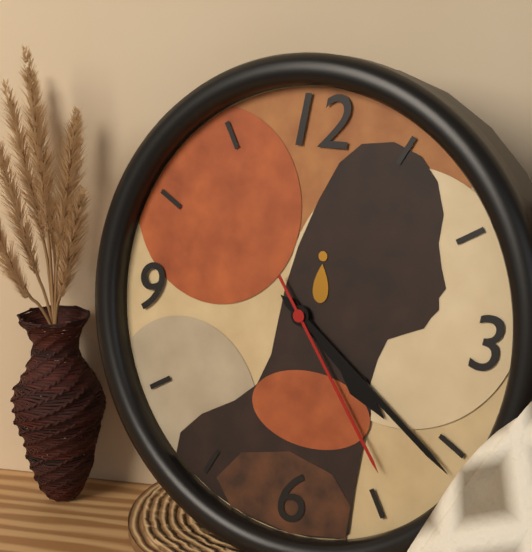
4,21,24
